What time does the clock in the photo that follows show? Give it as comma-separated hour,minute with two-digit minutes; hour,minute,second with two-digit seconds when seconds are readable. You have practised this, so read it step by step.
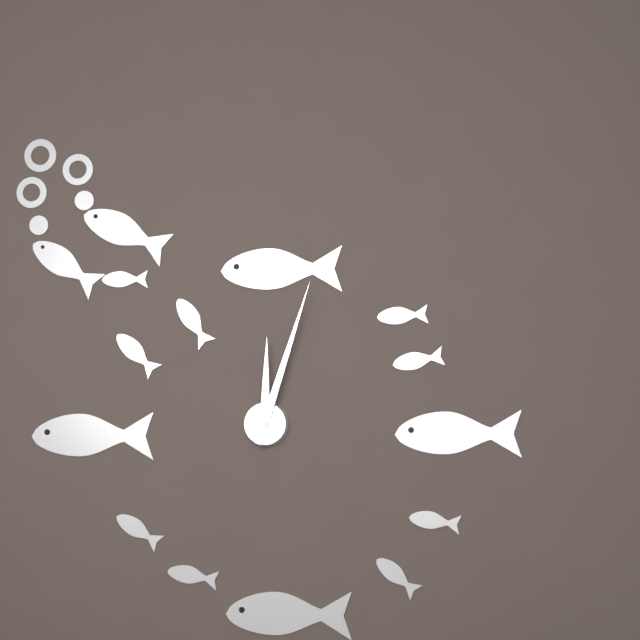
12,03
